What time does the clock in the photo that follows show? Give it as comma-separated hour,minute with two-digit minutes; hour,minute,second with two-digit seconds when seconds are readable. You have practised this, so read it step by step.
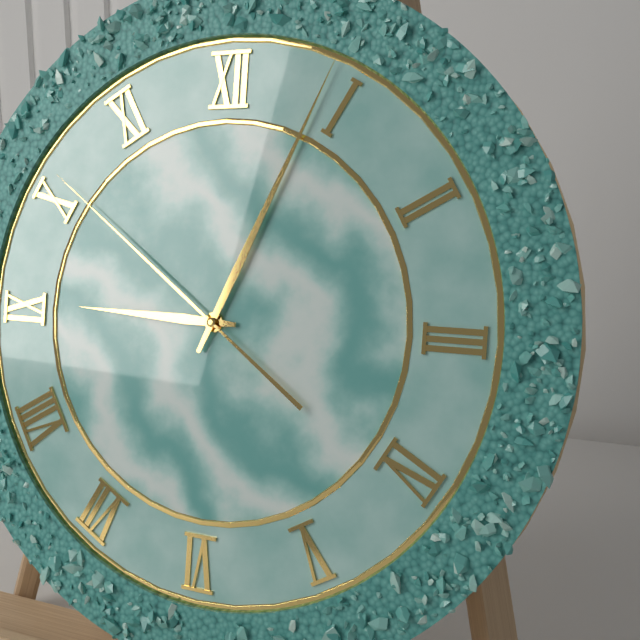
9,04,51
